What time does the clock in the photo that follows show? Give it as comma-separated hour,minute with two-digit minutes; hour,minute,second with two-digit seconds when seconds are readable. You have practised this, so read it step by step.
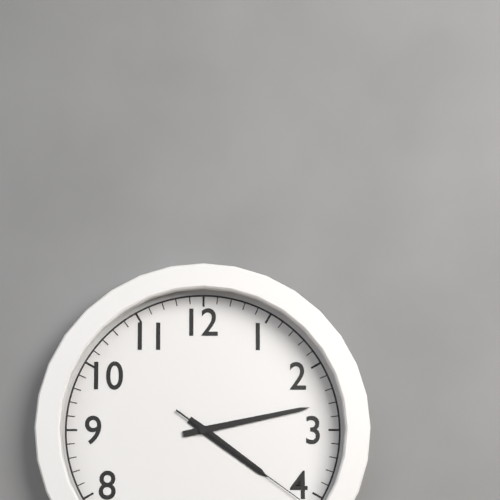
4,13,21
